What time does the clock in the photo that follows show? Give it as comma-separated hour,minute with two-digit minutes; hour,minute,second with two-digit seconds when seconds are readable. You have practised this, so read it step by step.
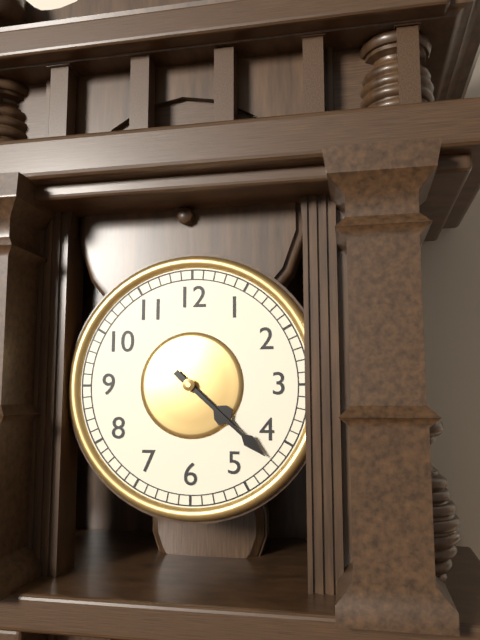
4,22
